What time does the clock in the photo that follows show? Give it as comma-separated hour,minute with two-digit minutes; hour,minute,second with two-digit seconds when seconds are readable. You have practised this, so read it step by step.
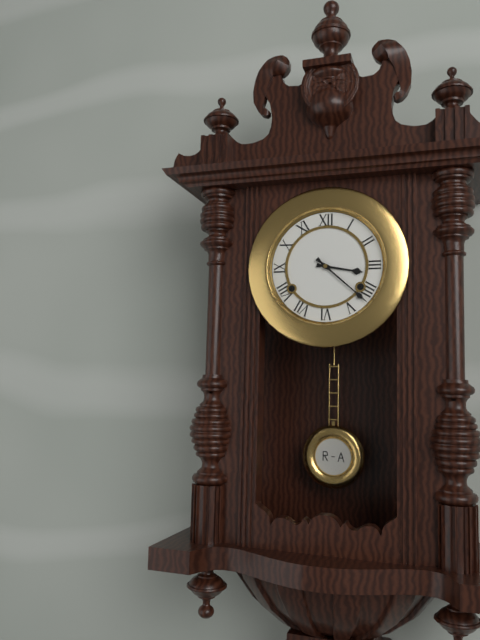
3,22
